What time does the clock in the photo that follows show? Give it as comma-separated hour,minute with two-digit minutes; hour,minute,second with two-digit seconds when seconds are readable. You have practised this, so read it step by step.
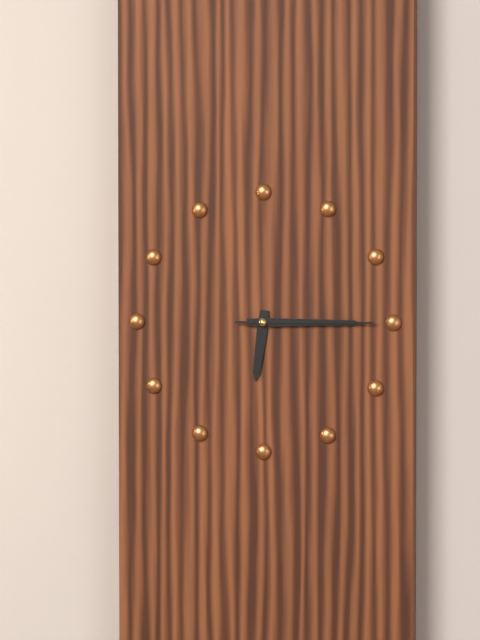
6,15,15
